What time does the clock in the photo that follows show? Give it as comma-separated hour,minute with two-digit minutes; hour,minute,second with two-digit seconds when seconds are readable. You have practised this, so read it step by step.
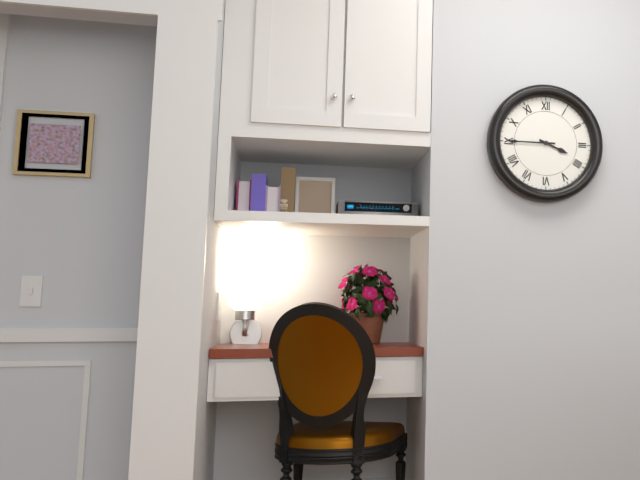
3,45
